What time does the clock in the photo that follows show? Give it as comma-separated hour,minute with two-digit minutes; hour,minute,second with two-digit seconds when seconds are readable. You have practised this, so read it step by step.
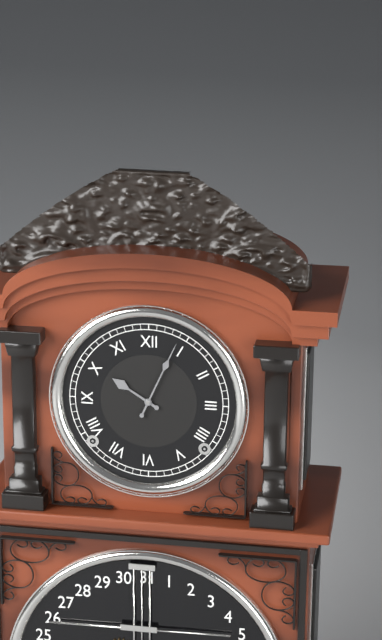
10,04
